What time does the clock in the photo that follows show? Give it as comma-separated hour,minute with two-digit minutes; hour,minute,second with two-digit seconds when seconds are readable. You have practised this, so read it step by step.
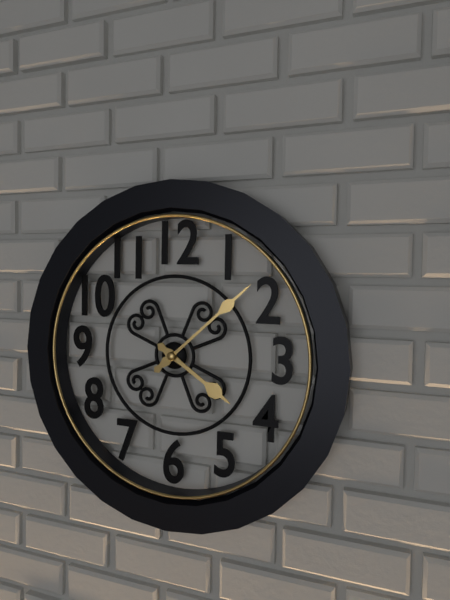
4,08
